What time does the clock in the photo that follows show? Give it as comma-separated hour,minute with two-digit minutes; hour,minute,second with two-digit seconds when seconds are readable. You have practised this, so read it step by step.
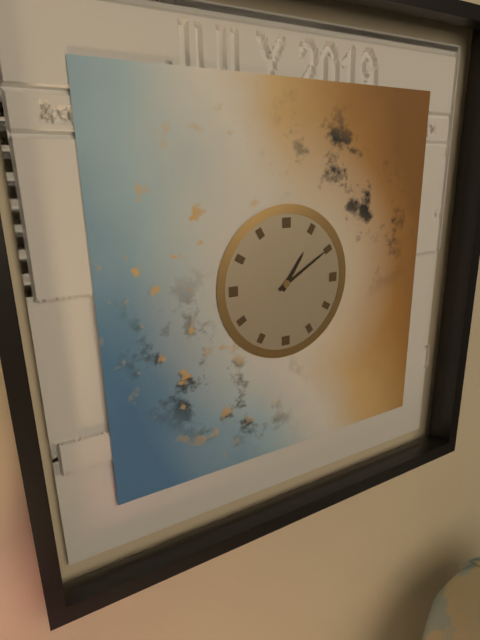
1,10
